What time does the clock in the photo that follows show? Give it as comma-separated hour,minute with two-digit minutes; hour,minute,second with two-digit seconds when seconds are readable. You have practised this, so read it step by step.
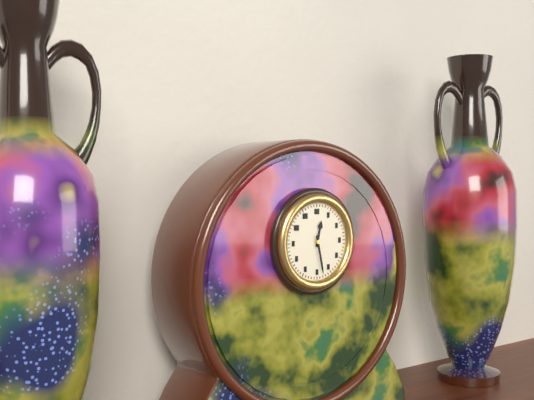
12,28
